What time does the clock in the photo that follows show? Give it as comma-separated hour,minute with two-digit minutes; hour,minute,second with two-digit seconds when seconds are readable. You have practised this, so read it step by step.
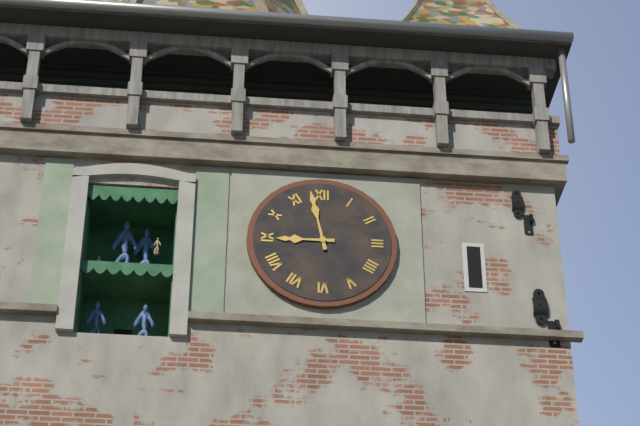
8,58
